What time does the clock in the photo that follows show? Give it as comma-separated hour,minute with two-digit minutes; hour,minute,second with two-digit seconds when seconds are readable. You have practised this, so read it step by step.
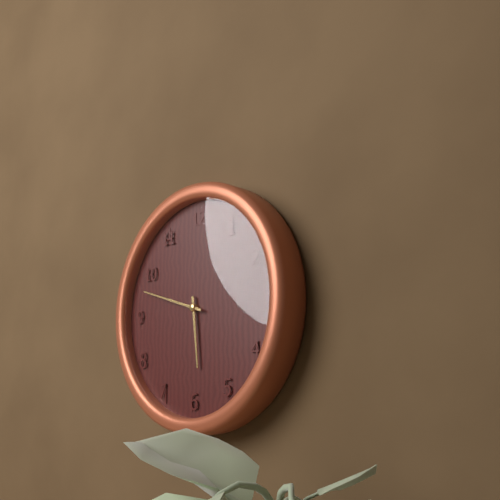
5,48
